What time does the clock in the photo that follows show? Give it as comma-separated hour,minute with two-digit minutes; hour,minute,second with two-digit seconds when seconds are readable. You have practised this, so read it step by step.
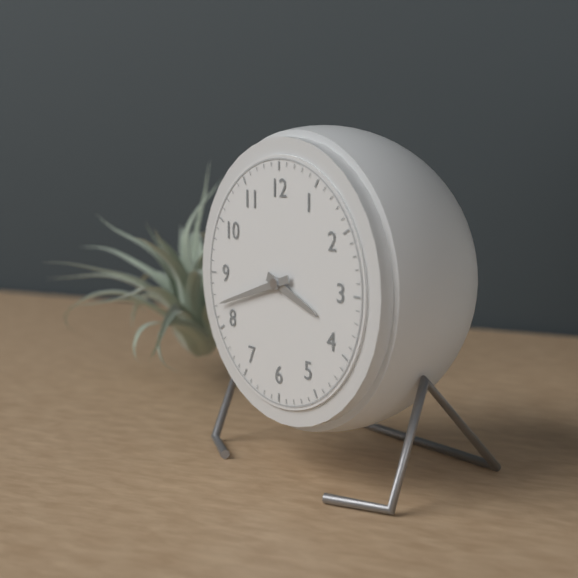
3,42
